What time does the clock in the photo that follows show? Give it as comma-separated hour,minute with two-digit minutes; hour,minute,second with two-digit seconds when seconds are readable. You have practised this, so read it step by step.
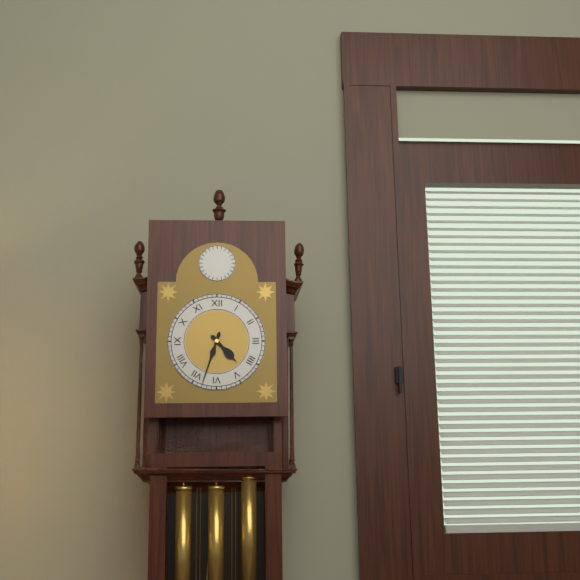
4,33
